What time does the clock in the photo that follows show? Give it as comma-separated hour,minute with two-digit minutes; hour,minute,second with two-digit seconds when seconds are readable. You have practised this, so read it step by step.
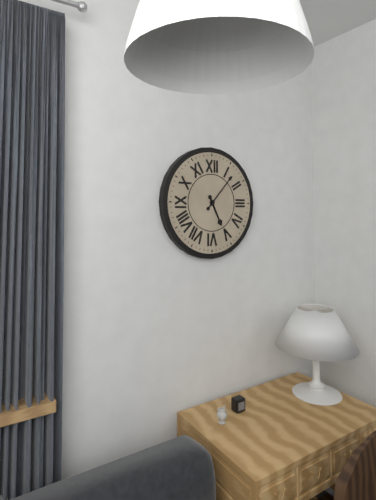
5,07
